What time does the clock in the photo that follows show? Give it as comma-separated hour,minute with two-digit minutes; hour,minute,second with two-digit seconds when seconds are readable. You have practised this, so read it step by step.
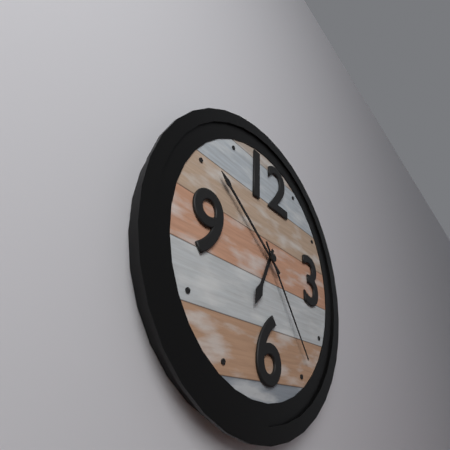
6,51,24
